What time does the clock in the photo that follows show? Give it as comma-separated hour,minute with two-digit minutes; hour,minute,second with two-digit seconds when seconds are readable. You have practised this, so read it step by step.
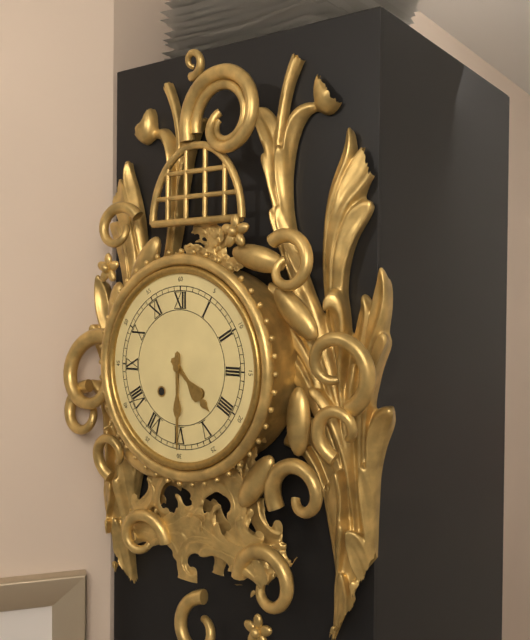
4,30
